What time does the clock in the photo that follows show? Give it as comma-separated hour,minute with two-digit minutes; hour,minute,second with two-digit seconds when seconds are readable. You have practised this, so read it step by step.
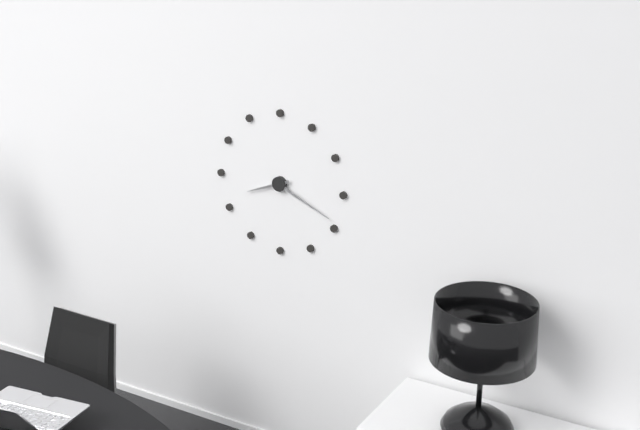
8,19
